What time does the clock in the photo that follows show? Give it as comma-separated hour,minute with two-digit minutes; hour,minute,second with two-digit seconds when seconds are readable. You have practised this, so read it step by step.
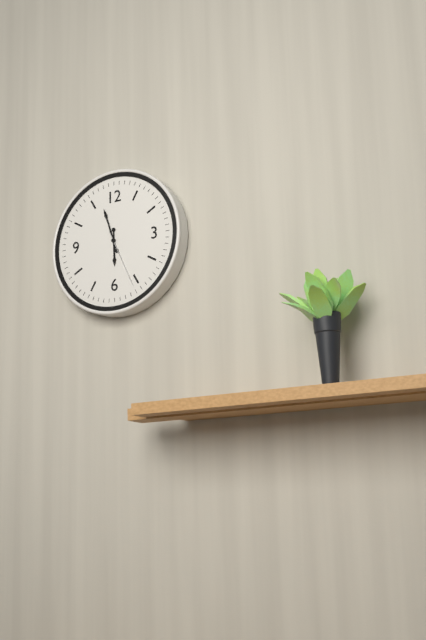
5,57
